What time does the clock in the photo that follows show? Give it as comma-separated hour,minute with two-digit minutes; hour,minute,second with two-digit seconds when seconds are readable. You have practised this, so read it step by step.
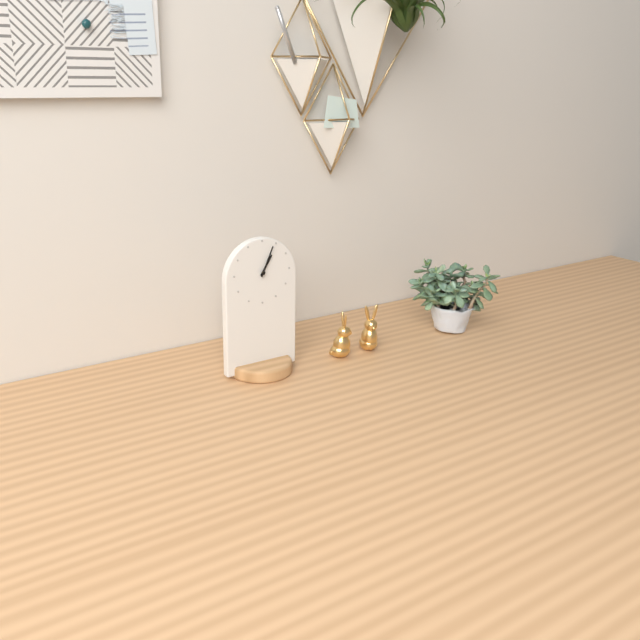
1,04
